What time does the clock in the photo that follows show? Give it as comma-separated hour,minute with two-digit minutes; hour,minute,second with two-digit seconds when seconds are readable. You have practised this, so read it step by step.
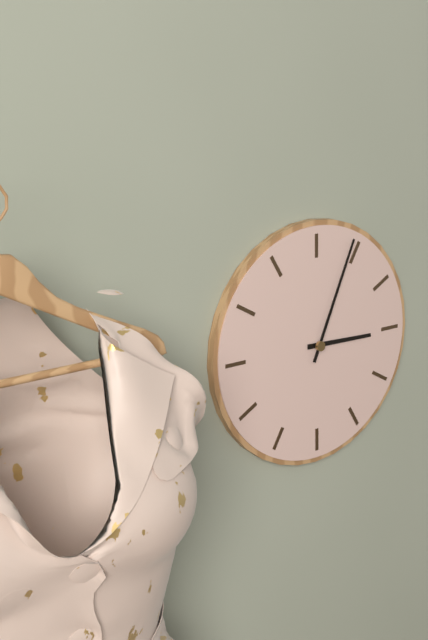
3,04
